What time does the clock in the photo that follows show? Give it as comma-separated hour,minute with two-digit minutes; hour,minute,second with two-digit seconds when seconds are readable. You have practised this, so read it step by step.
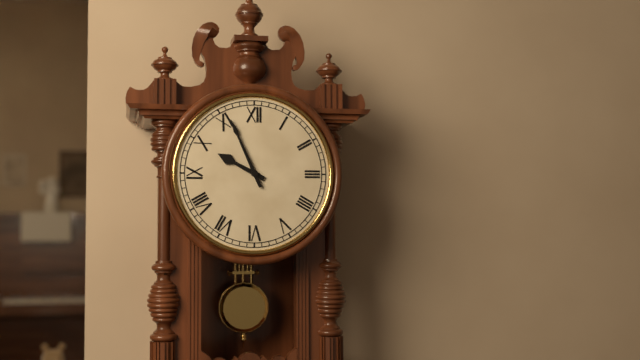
9,56
